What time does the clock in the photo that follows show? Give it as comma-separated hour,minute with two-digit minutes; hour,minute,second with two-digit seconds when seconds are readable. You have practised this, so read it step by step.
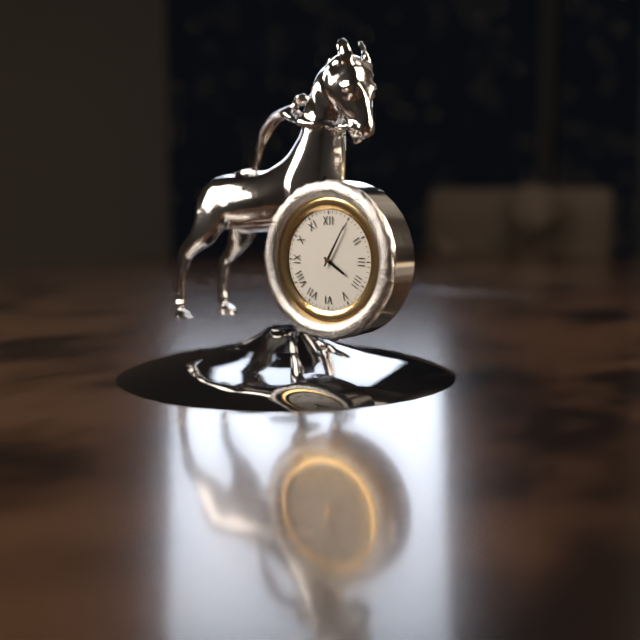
4,05
